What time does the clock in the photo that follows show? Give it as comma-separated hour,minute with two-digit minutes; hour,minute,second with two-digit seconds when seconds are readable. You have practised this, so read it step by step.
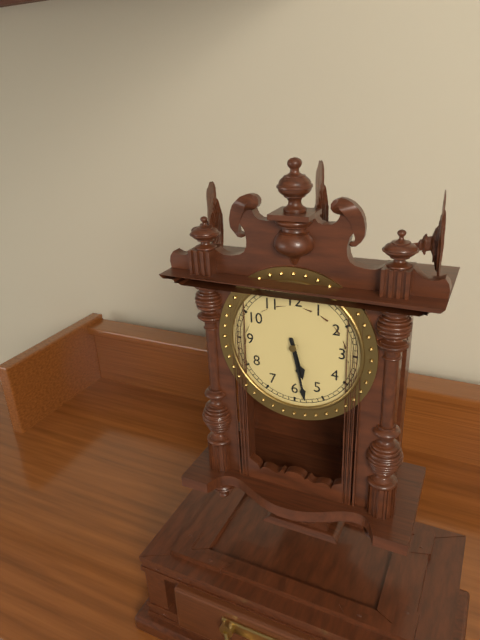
5,28
